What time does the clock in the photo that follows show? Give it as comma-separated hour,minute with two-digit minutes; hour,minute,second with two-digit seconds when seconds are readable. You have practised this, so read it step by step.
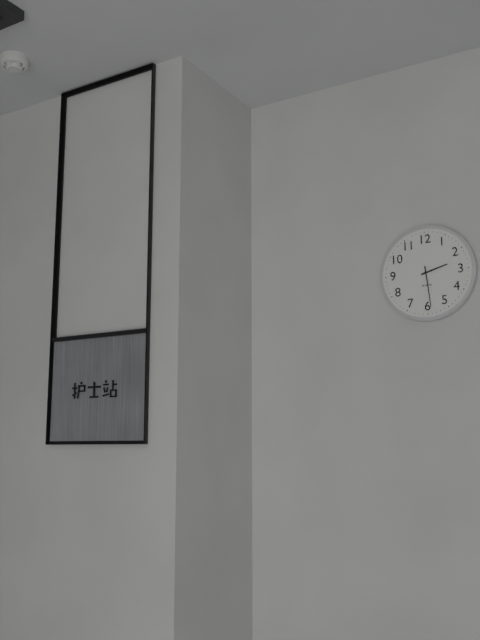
2,29
